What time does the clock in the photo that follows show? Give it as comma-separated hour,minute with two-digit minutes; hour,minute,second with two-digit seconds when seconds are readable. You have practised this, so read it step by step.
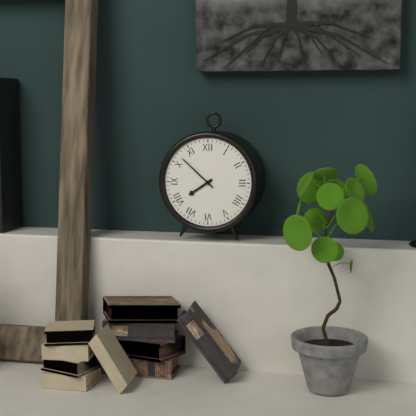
7,52
